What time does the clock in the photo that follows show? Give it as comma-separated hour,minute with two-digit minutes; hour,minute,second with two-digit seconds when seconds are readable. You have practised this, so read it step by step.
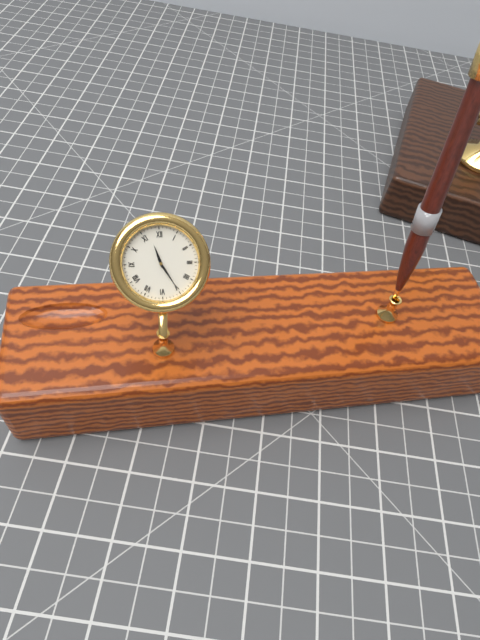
11,25
